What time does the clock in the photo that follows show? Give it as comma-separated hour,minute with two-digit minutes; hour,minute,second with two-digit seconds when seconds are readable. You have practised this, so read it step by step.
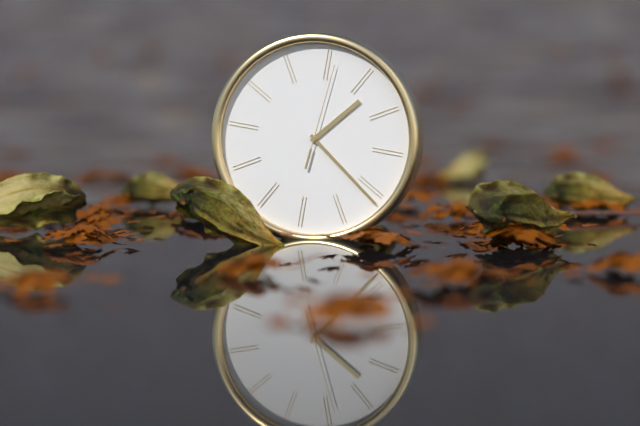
1,21,01
